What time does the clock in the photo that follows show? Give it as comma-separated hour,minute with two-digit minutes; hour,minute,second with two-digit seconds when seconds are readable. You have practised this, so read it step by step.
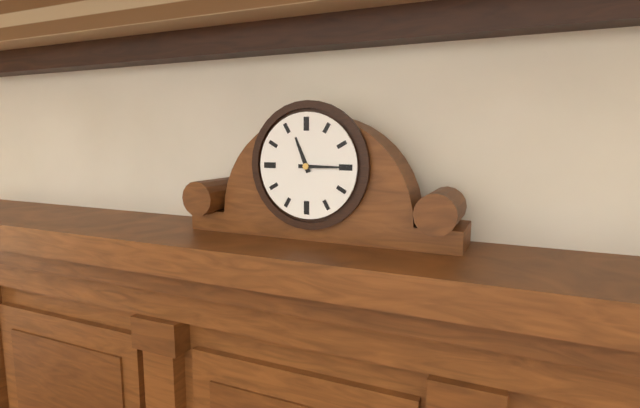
11,15
